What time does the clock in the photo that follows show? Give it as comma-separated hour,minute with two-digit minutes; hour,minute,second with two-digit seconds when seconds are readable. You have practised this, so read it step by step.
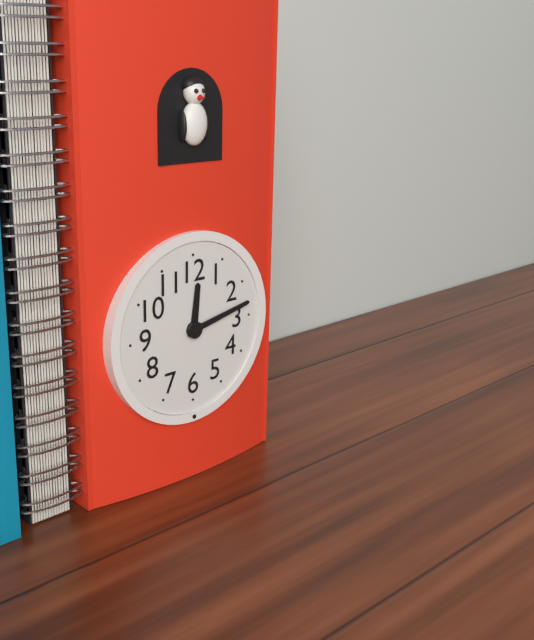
12,13
